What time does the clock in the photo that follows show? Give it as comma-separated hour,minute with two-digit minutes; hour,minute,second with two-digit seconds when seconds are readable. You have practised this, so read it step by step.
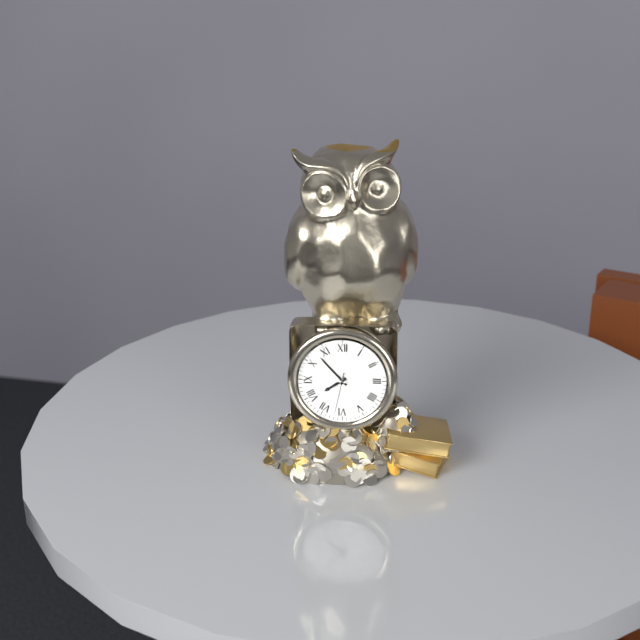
7,53,32
